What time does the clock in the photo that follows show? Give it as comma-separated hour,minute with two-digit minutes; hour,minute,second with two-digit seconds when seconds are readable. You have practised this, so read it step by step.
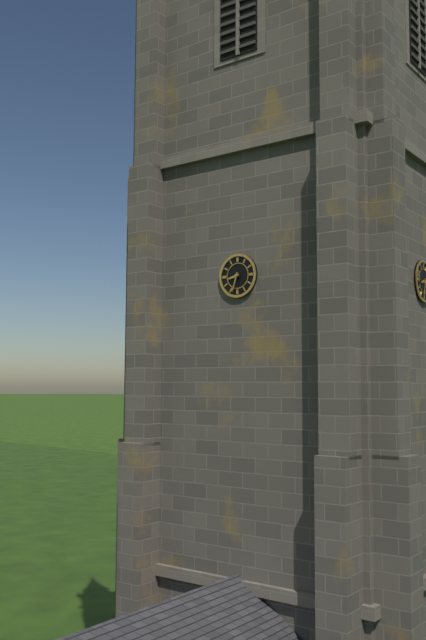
8,33
